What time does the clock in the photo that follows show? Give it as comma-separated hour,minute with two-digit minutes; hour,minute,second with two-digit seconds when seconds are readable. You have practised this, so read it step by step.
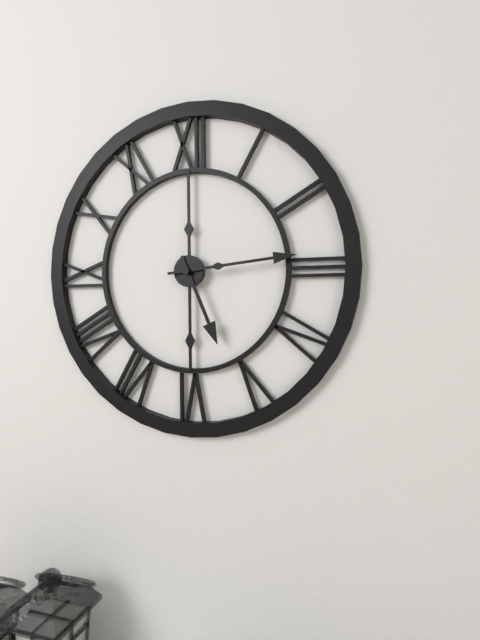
5,14
